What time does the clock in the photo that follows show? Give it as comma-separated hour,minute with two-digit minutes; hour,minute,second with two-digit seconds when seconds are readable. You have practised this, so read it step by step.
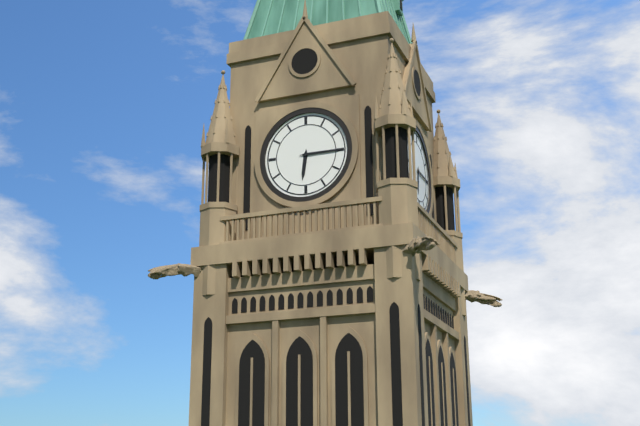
6,15
